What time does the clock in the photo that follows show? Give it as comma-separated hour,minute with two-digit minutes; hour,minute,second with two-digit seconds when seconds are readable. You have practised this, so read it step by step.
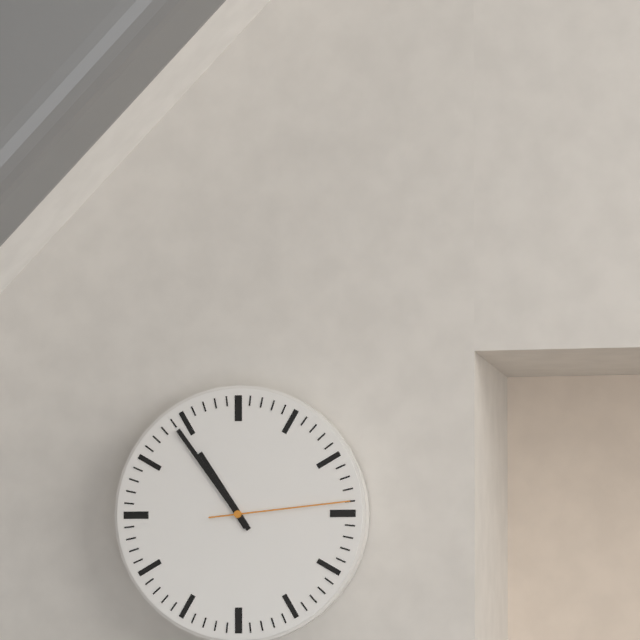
10,54,14
